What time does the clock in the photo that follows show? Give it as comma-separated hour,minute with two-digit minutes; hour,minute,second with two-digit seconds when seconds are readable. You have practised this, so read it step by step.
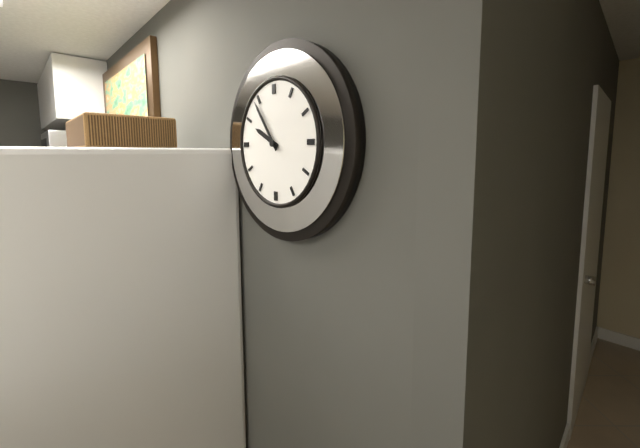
9,54
